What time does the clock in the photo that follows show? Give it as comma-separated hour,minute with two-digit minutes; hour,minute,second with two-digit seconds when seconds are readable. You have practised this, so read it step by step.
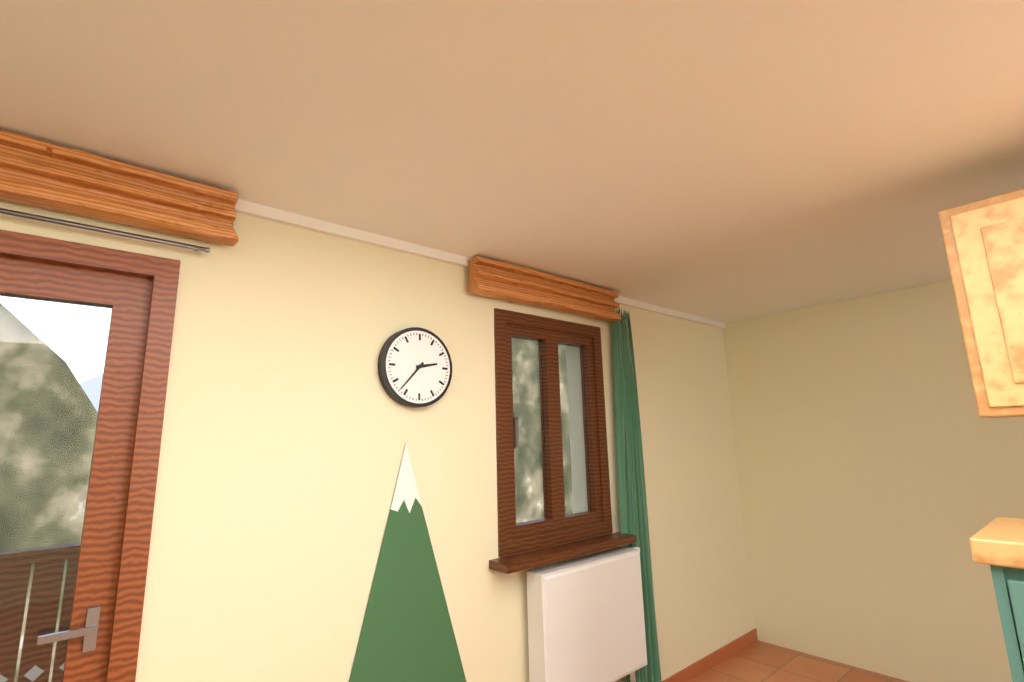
2,37
